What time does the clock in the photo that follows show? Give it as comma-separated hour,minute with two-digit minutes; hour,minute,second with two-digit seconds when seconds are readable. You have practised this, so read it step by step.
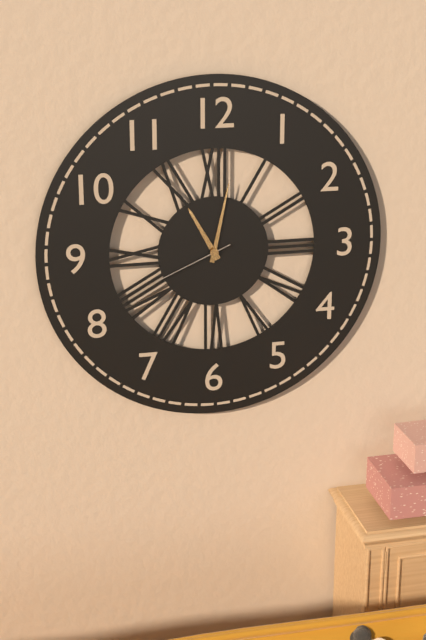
11,02,41
